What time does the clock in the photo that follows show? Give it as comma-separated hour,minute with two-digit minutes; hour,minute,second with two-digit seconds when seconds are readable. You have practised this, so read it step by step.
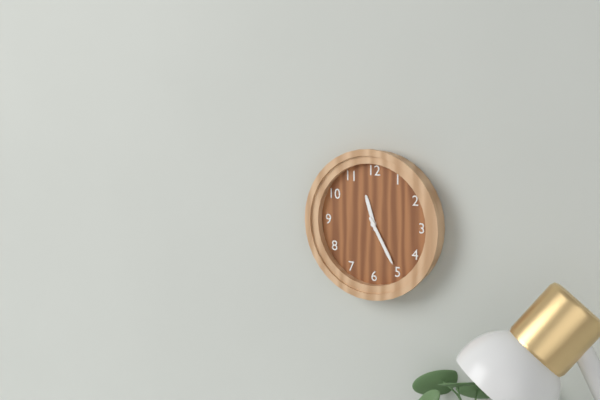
11,25
